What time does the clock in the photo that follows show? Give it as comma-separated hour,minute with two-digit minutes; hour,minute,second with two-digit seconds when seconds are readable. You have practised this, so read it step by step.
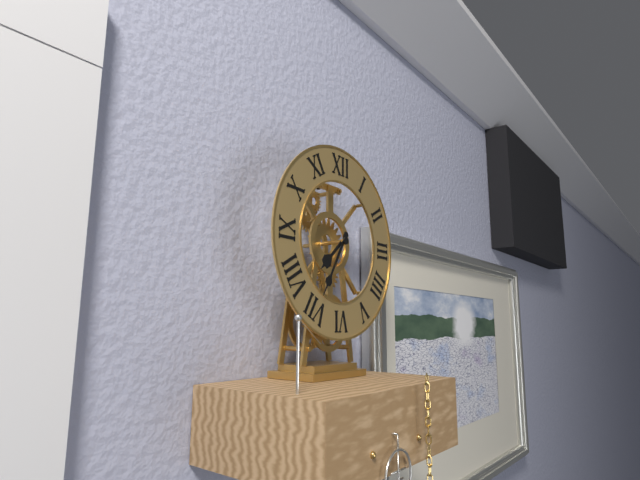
7,35
